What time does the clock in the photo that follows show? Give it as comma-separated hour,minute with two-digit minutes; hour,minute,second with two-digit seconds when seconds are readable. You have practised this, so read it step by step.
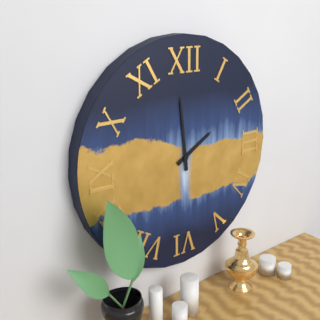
1,59
